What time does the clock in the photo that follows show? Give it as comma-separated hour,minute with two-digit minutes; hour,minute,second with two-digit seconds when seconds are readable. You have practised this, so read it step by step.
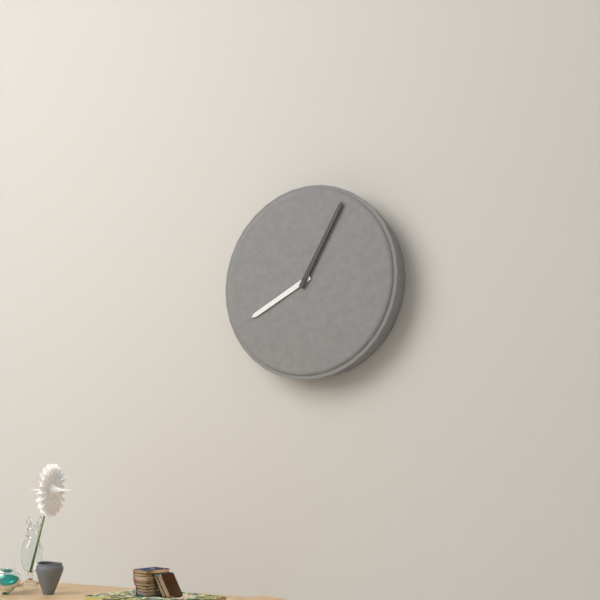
8,05
